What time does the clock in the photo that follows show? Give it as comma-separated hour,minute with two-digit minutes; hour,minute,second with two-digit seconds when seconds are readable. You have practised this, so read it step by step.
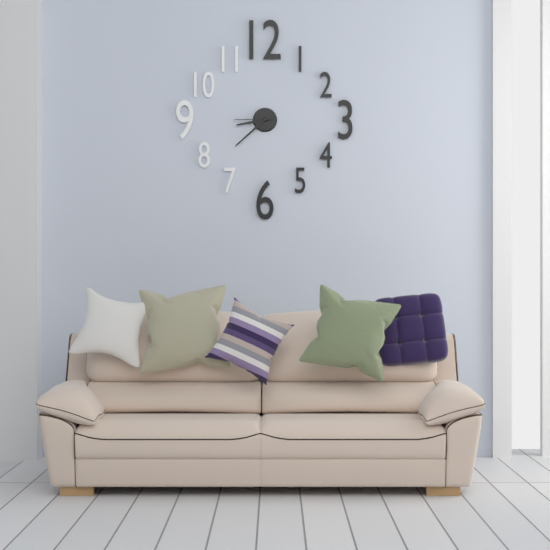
8,38
